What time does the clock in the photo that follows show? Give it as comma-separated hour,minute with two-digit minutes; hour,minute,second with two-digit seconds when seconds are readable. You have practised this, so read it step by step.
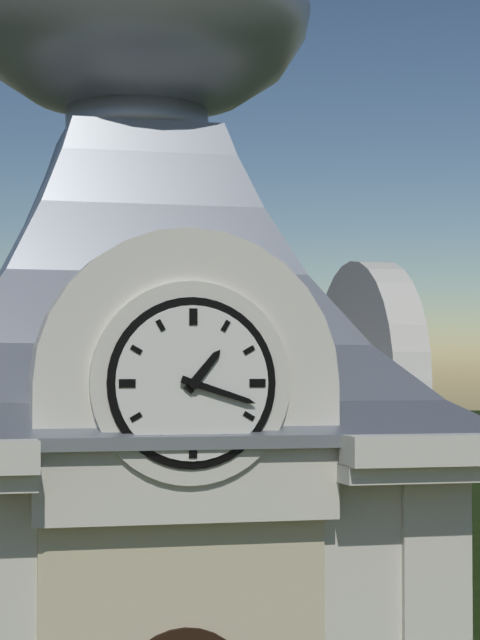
1,18
